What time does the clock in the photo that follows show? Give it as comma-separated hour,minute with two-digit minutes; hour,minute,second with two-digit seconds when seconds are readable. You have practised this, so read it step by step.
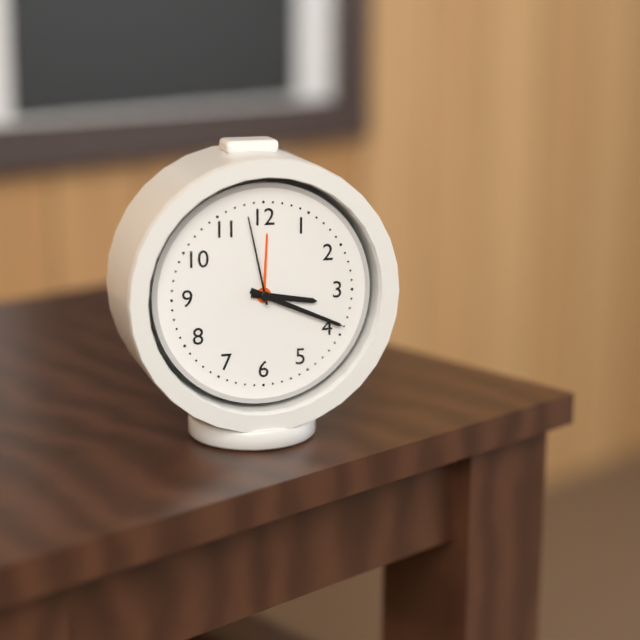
3,19,58
